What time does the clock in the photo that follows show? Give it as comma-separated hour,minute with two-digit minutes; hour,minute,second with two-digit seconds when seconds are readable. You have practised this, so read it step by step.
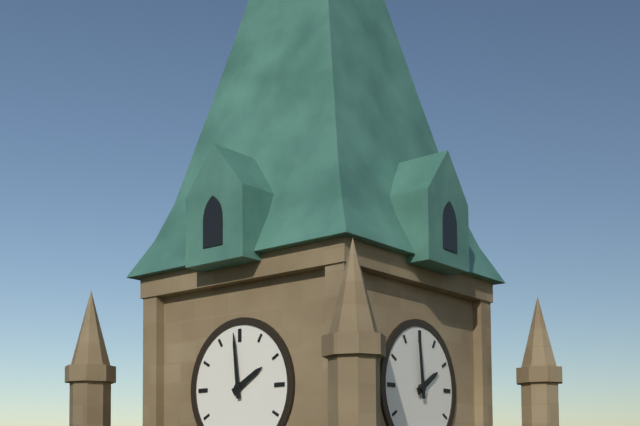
1,59
